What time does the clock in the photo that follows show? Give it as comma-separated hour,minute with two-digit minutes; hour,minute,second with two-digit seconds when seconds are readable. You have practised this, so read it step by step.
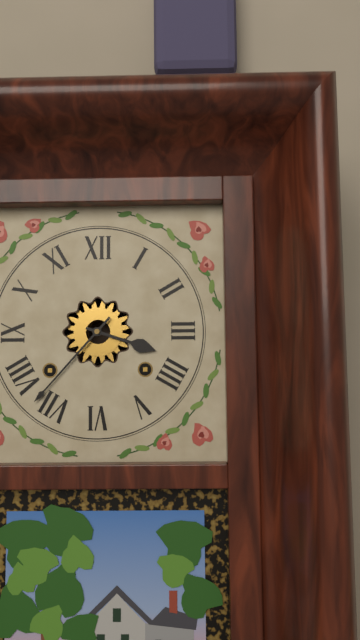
3,37
